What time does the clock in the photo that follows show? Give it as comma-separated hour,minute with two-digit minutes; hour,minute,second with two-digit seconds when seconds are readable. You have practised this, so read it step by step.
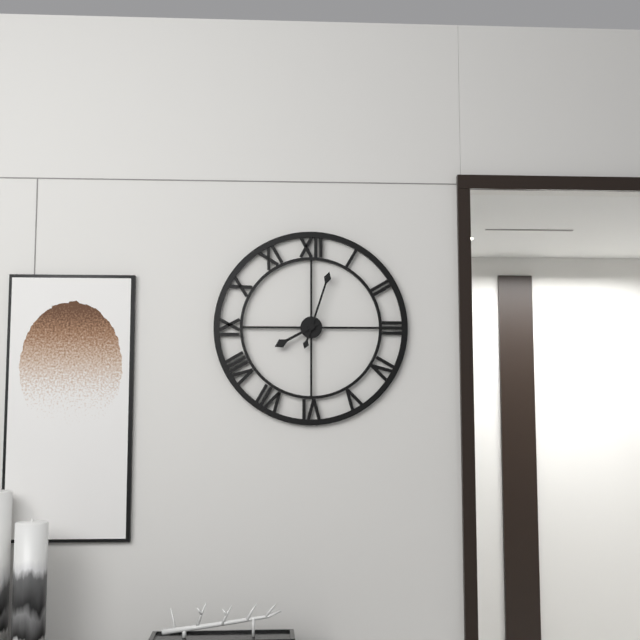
8,03
